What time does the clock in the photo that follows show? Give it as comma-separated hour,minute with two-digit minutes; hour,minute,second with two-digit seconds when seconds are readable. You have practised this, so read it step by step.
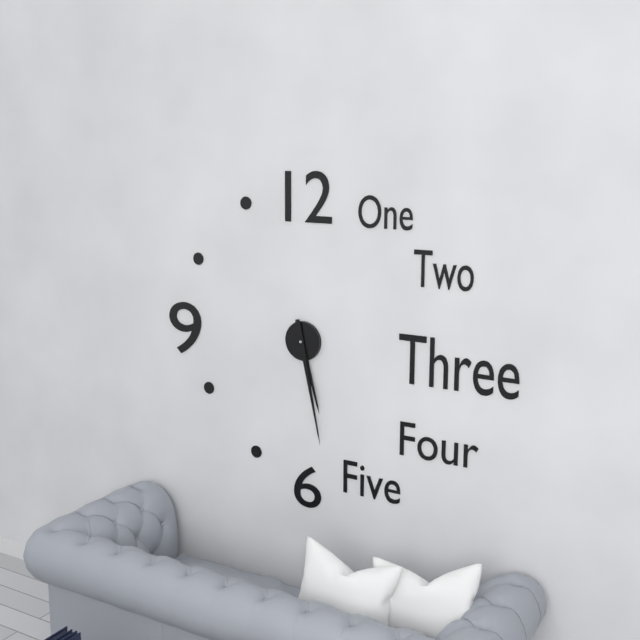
5,28
